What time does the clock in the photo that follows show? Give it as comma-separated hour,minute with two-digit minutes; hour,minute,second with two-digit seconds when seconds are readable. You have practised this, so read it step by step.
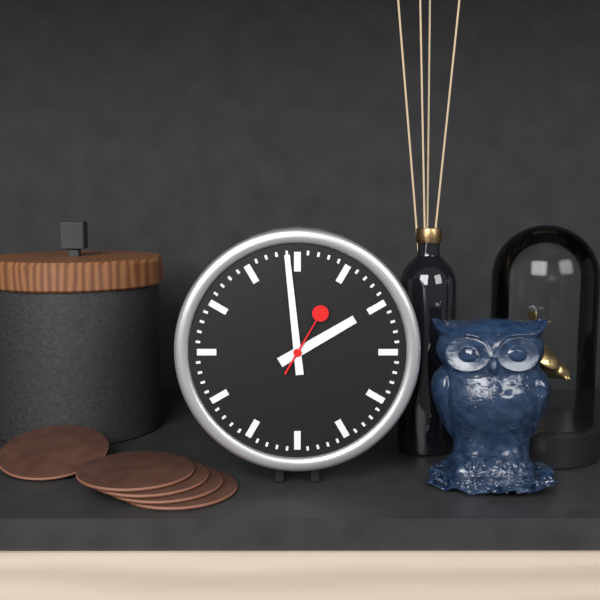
1,59,05
